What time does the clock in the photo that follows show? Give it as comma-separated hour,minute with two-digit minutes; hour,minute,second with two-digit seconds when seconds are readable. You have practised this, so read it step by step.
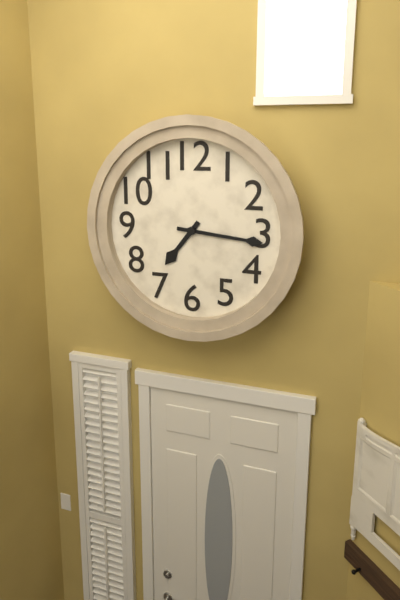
7,16
